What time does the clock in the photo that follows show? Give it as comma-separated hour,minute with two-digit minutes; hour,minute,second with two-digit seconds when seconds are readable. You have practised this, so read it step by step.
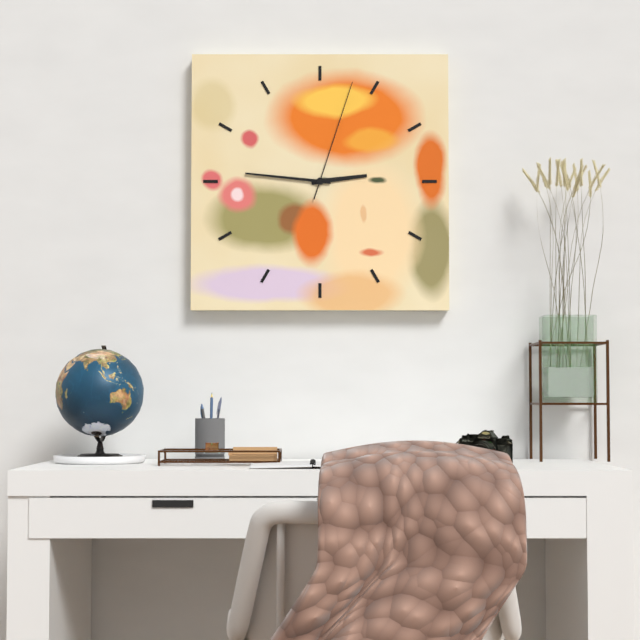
2,46,03
